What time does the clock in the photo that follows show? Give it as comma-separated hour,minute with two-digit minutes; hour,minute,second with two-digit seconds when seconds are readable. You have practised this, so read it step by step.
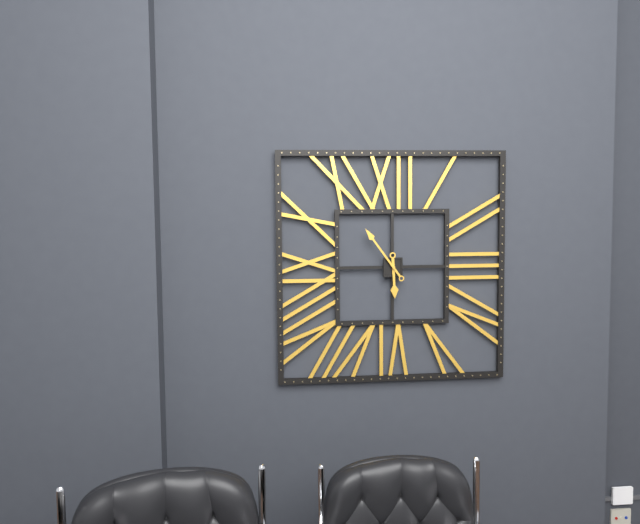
5,54
